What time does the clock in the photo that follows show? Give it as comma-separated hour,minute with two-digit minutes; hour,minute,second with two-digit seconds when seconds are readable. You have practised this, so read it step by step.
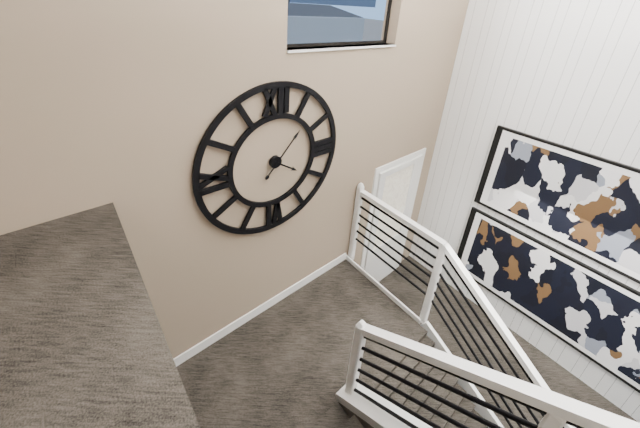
4,07
